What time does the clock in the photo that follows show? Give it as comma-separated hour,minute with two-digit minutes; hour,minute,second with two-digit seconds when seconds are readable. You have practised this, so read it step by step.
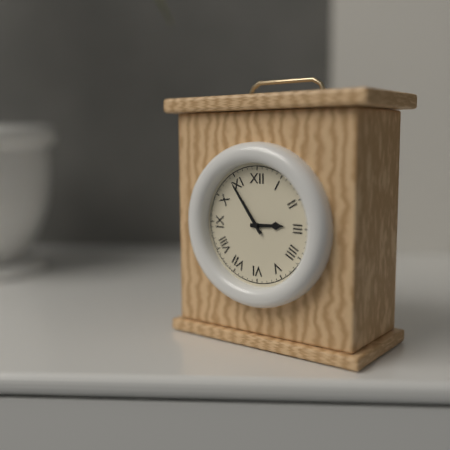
2,54
